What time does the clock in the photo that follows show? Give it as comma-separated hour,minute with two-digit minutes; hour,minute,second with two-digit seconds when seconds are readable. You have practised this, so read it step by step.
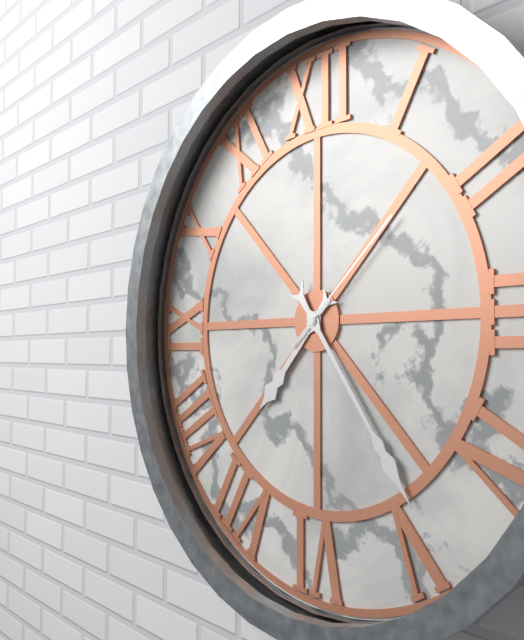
7,24,08
